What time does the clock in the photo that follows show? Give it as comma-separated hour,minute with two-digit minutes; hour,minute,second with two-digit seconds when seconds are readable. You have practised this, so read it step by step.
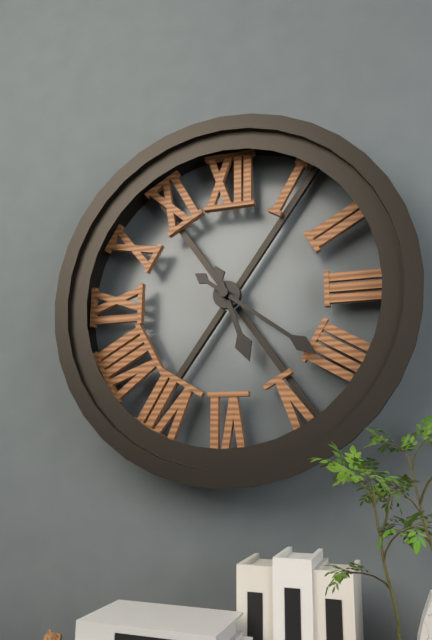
5,21
